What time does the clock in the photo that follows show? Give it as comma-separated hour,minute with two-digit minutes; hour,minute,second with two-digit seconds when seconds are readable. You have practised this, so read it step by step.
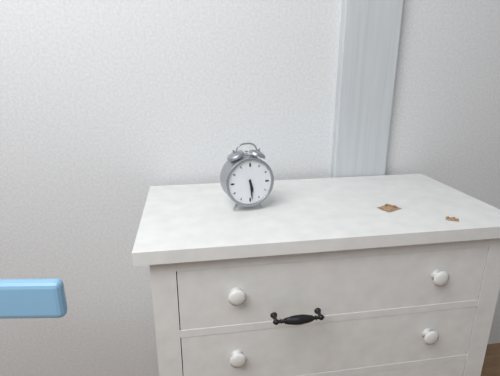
5,29
